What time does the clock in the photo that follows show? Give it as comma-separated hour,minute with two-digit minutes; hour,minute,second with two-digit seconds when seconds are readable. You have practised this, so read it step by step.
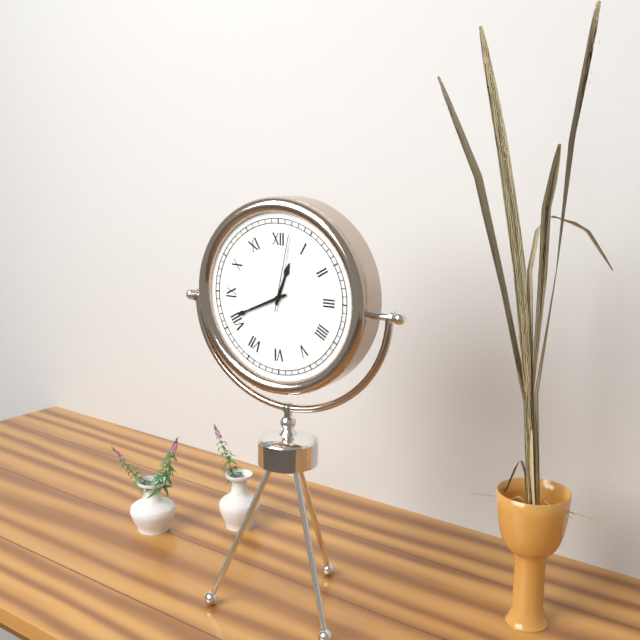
12,41,02
